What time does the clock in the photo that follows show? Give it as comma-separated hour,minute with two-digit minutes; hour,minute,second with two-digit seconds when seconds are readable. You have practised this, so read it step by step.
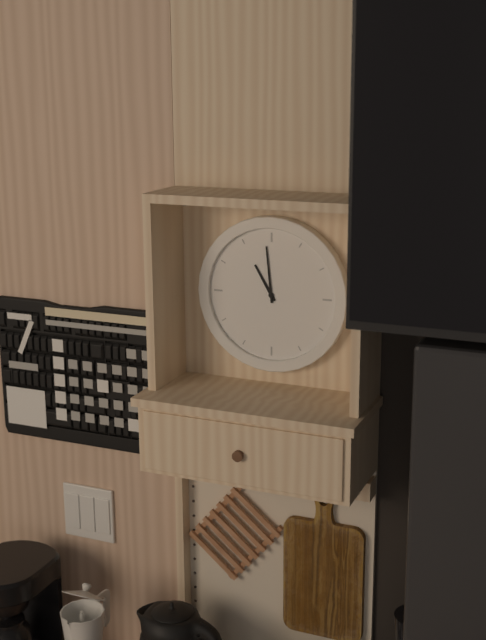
10,59
